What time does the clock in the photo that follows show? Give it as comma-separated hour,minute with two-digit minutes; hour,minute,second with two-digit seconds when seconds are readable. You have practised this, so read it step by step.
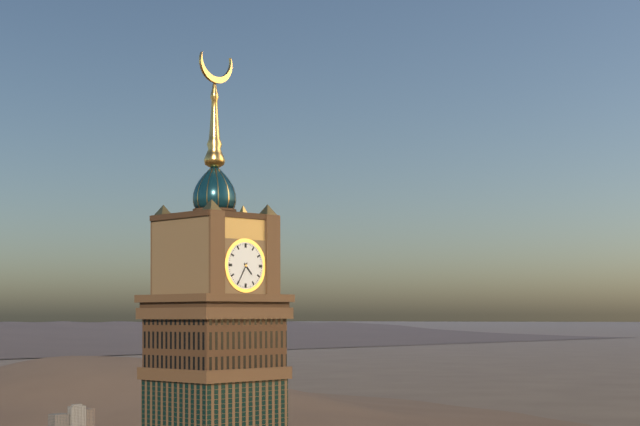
4,35
